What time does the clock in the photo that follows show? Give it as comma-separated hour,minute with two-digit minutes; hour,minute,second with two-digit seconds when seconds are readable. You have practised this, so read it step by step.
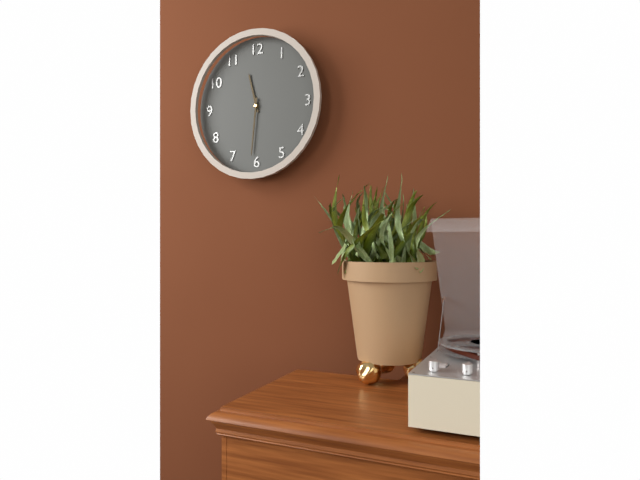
11,31
